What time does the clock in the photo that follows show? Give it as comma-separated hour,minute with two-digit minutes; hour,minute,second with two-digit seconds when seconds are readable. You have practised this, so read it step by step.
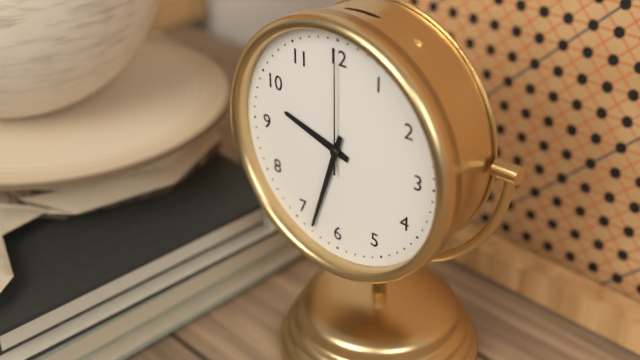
9,33,00
